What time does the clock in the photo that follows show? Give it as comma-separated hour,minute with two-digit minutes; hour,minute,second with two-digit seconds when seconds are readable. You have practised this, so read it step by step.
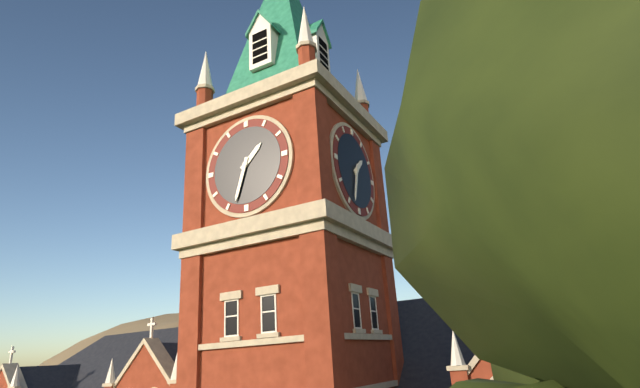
1,33
